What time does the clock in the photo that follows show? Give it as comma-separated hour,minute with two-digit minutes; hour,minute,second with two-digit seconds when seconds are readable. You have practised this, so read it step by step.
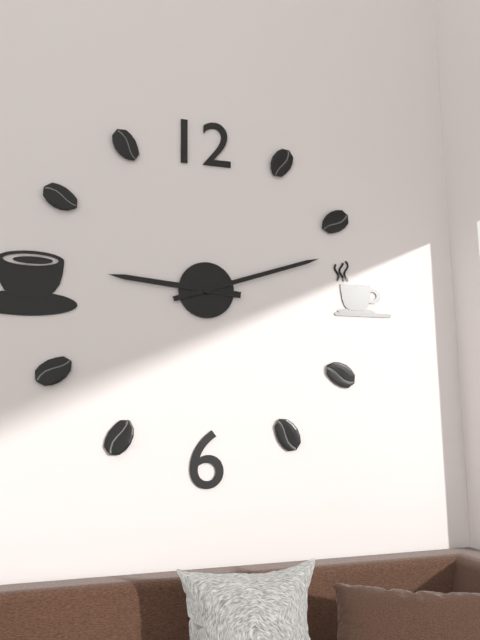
9,12
